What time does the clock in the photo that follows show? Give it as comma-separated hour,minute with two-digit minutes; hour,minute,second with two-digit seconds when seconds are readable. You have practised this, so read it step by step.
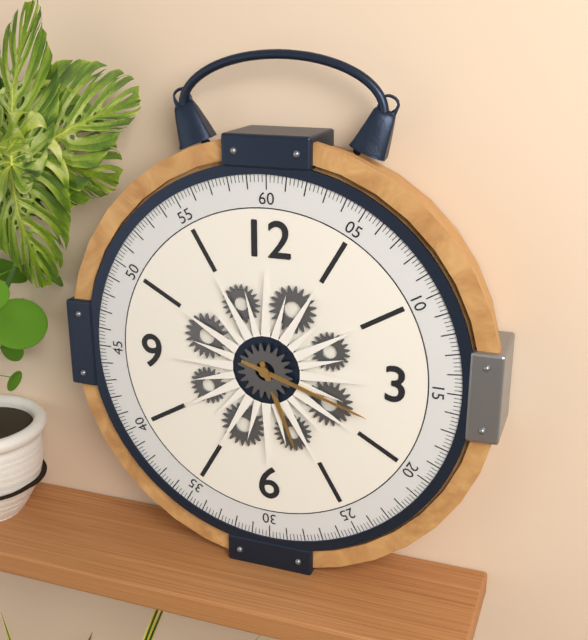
5,18
